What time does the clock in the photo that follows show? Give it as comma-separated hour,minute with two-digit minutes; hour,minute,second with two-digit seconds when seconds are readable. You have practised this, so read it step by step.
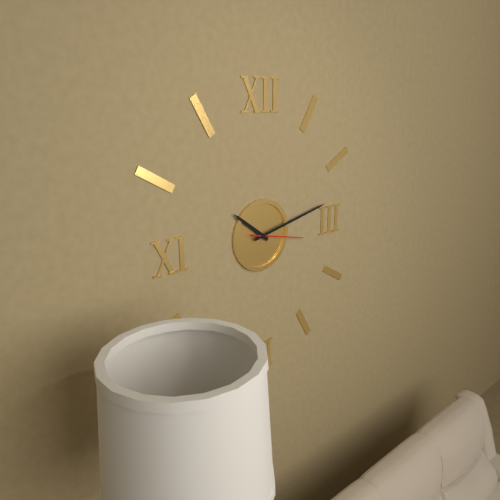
10,13,17
